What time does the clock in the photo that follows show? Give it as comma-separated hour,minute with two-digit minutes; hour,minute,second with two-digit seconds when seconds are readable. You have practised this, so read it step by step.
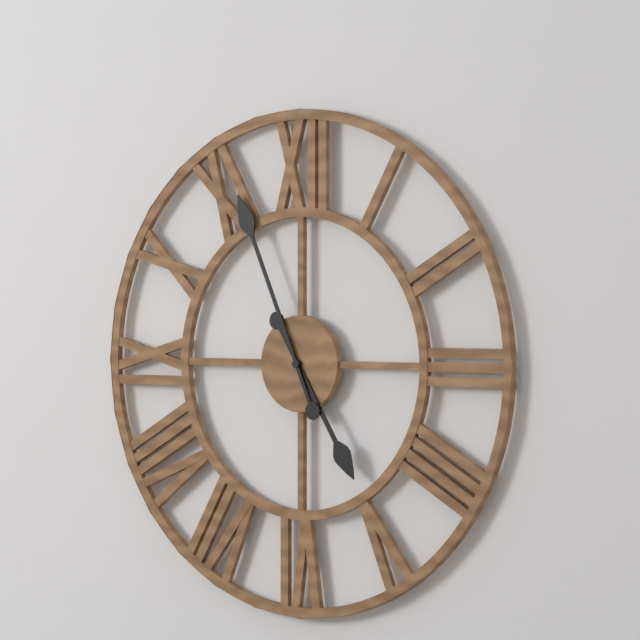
4,56
